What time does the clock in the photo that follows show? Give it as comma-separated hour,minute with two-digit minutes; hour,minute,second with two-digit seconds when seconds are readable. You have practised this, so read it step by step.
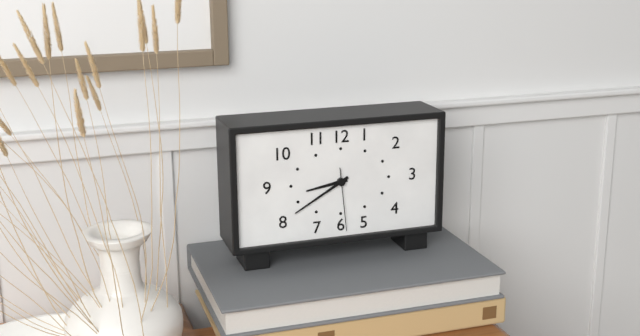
8,40,29
